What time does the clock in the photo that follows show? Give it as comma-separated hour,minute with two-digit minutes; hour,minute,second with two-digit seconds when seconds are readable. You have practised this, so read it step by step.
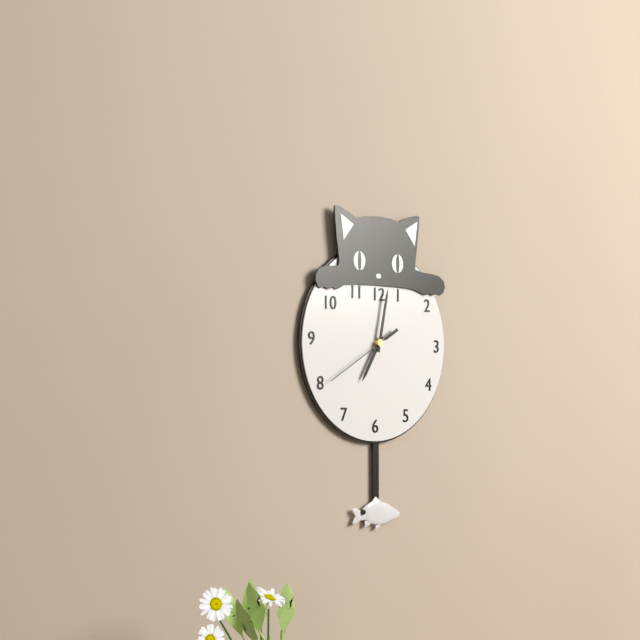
7,02,40
